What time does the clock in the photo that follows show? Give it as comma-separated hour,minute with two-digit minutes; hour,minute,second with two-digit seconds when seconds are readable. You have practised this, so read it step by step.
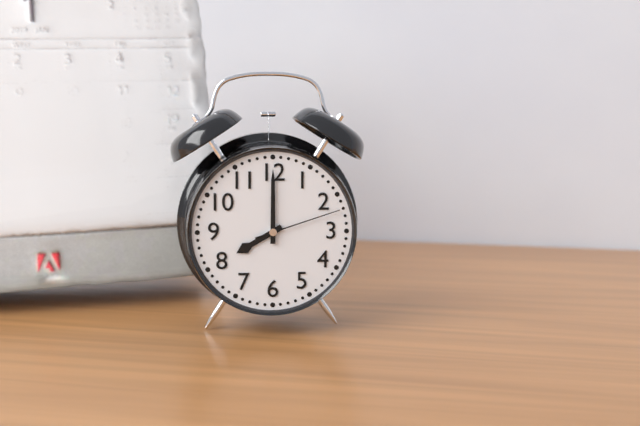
8,00,12
